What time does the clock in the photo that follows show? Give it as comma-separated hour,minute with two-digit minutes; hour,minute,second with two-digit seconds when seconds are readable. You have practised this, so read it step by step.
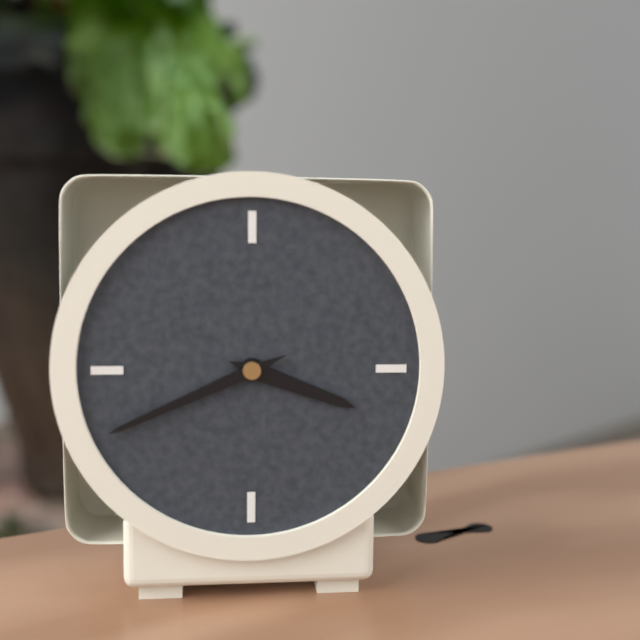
3,41
